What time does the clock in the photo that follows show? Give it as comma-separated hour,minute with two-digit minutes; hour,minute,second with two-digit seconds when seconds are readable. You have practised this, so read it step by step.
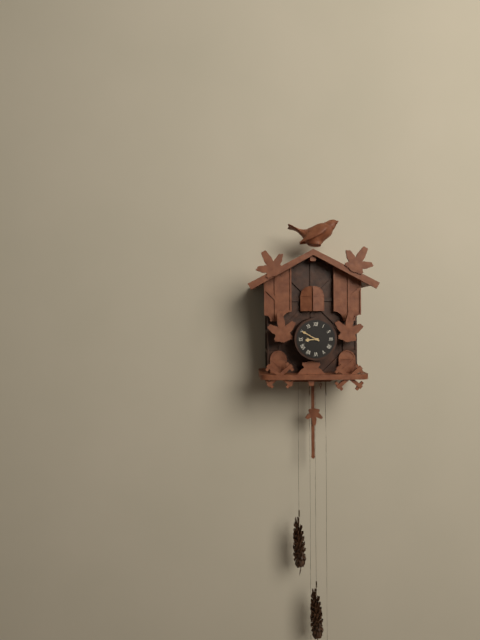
8,50
